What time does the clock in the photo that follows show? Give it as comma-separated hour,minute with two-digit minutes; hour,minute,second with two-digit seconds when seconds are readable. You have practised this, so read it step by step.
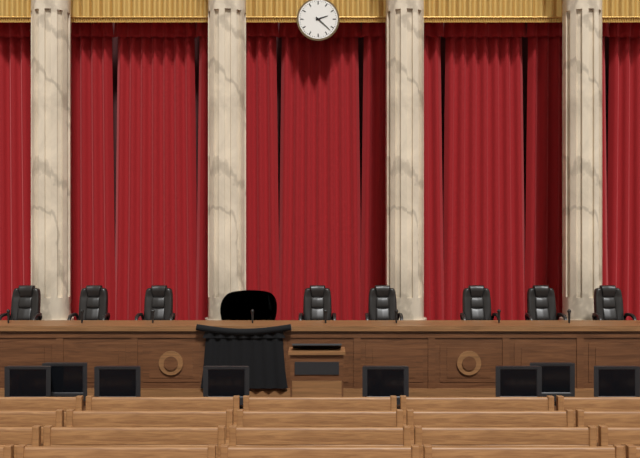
2,22
